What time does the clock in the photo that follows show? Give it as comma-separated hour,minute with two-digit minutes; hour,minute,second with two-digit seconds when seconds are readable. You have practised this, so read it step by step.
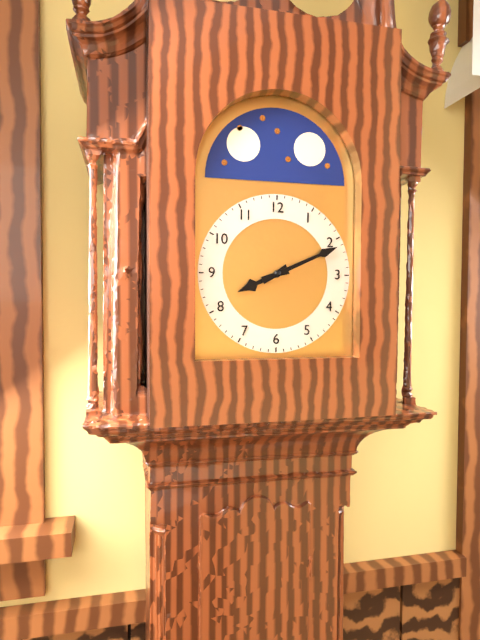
8,11
